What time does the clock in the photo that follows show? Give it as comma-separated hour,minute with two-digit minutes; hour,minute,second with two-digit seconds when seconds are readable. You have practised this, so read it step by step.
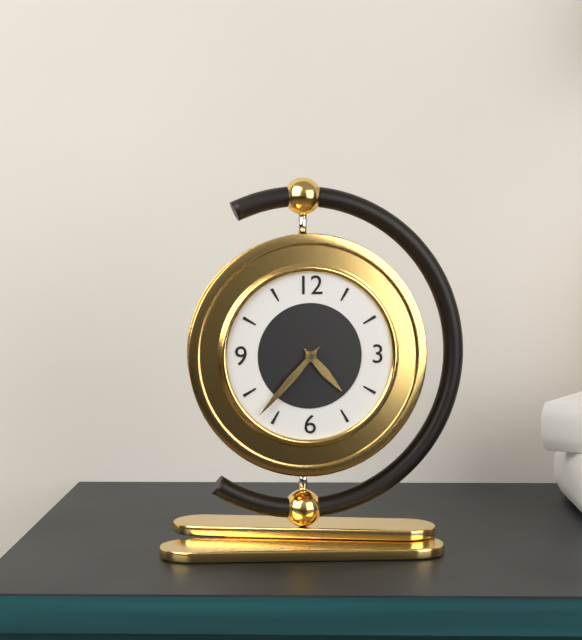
4,37
